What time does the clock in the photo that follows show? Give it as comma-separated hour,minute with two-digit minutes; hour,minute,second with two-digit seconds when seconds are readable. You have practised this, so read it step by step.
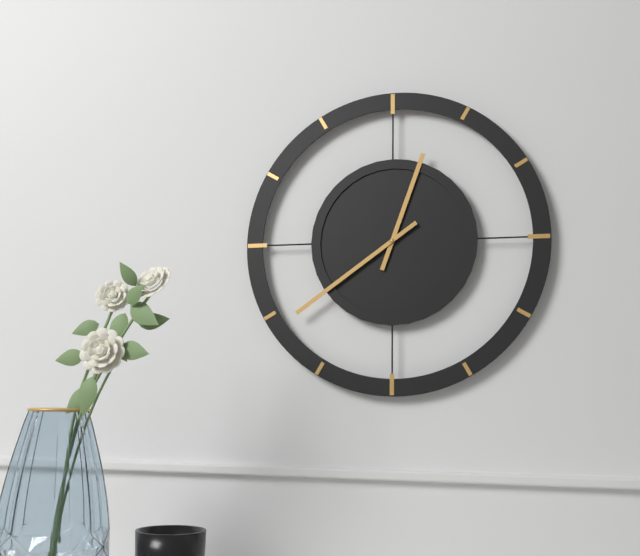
12,39
